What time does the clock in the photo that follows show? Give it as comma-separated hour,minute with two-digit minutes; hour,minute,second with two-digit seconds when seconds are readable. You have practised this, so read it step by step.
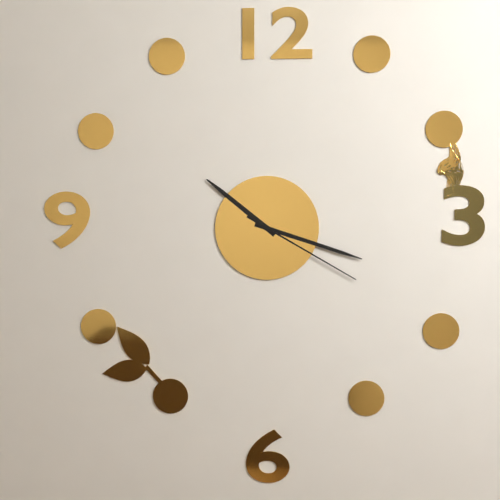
10,18,20
